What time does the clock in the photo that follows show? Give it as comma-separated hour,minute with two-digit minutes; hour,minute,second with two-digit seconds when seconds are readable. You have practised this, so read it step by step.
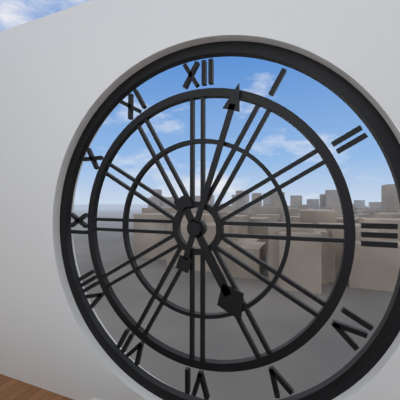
5,03
